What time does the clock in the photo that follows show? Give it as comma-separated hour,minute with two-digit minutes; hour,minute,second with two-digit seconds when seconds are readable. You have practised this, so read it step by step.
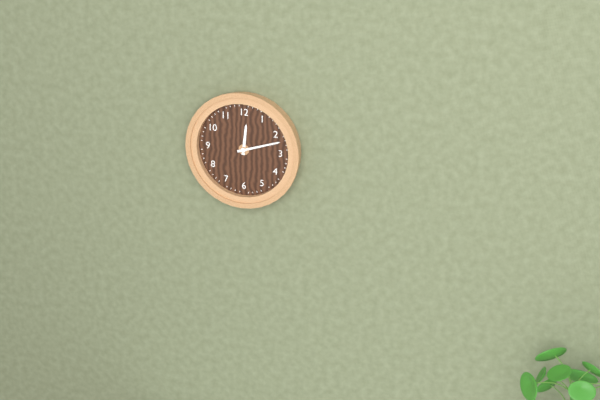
12,12
